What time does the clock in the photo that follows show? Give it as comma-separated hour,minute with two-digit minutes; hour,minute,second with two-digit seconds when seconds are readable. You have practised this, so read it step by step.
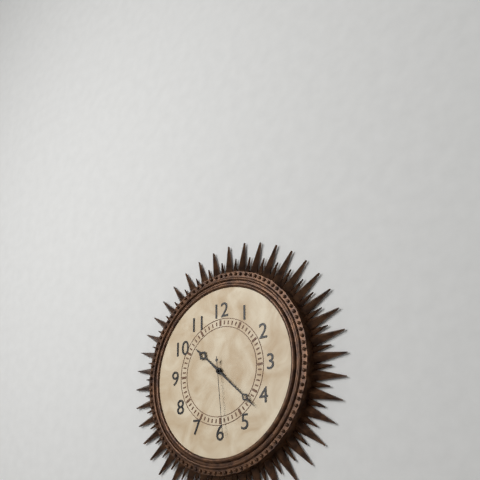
10,22,29
